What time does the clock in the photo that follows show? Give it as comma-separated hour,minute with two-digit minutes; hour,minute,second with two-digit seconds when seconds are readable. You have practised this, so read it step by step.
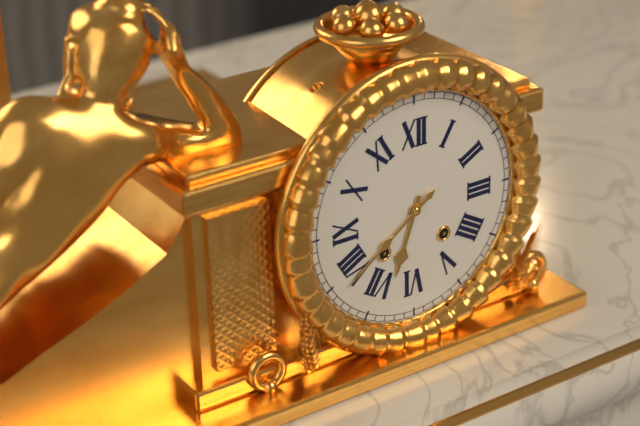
6,39
